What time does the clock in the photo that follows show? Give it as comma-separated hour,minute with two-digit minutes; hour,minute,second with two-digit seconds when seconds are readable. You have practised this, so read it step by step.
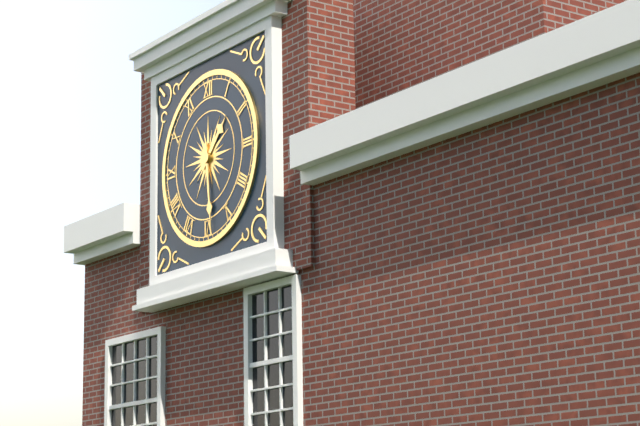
1,29
